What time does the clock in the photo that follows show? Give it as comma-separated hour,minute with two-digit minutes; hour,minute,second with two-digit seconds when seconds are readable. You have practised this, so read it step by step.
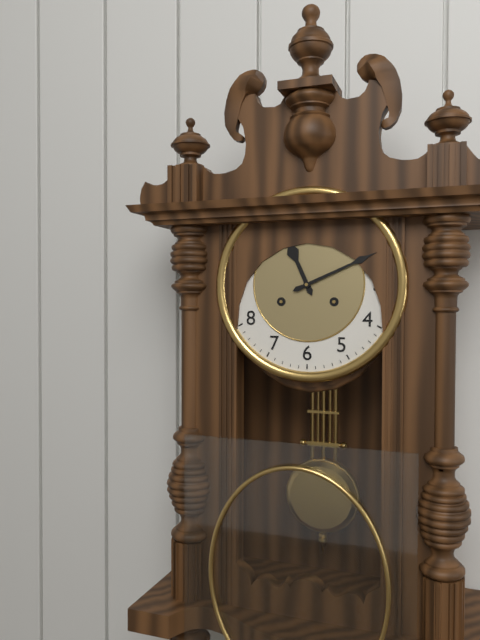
11,11
